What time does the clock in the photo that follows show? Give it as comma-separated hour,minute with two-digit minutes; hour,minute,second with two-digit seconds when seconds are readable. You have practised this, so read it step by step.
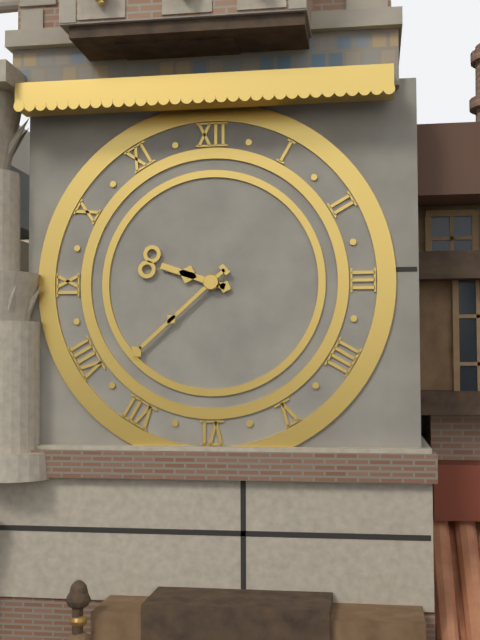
9,38
